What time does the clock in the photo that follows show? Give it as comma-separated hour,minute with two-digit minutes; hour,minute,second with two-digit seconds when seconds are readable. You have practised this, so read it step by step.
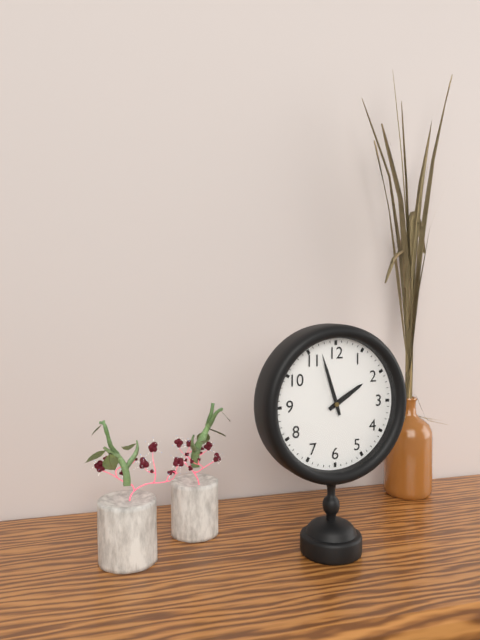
1,57
